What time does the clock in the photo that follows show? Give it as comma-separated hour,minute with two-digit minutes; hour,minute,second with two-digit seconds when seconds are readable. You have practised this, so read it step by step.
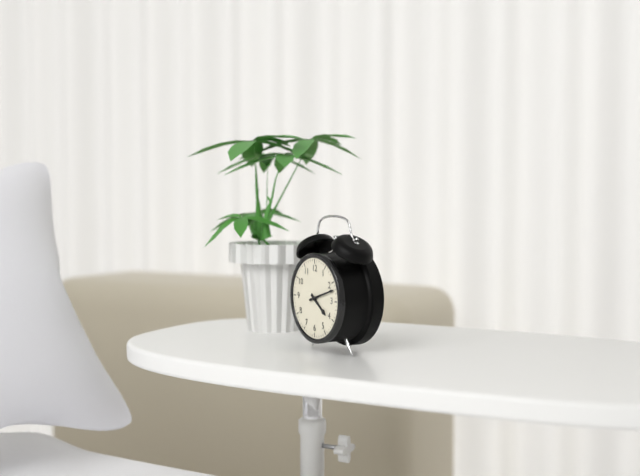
4,12
